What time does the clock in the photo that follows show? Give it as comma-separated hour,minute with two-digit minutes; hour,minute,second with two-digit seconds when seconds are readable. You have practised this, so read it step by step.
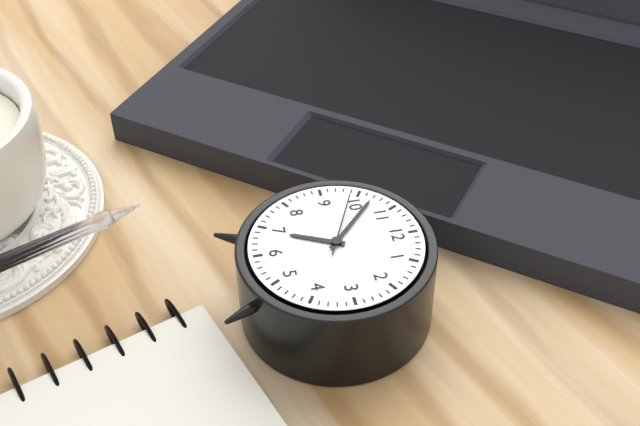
6,52,49
